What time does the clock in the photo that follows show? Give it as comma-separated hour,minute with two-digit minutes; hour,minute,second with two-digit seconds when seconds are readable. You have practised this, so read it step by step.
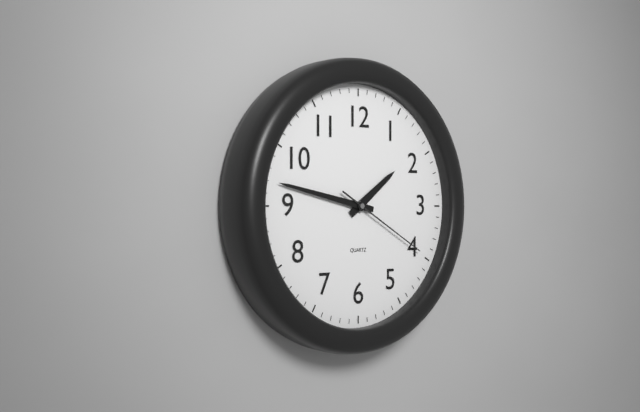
1,47,20
